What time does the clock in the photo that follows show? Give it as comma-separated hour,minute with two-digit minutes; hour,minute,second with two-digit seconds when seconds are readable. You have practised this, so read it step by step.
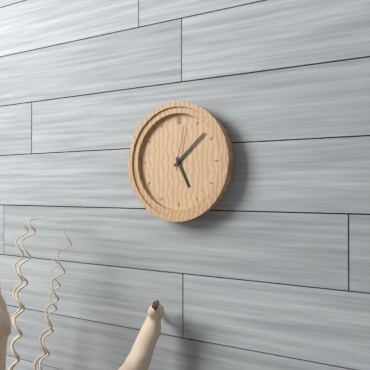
5,08
